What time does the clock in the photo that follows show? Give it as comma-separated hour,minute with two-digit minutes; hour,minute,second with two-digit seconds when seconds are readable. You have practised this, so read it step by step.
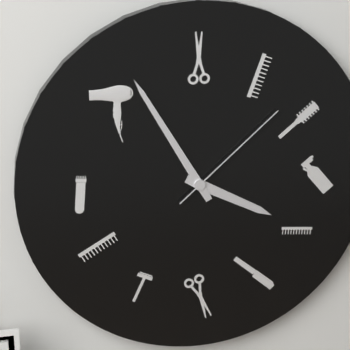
3,55,08
